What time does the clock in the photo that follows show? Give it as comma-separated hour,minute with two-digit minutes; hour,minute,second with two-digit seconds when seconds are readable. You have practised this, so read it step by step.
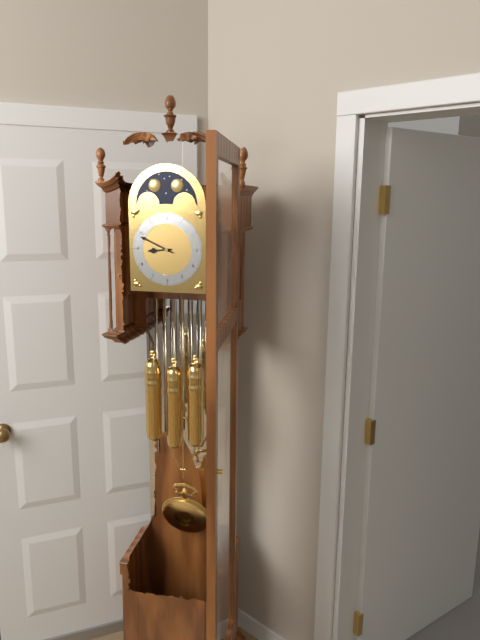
8,49
